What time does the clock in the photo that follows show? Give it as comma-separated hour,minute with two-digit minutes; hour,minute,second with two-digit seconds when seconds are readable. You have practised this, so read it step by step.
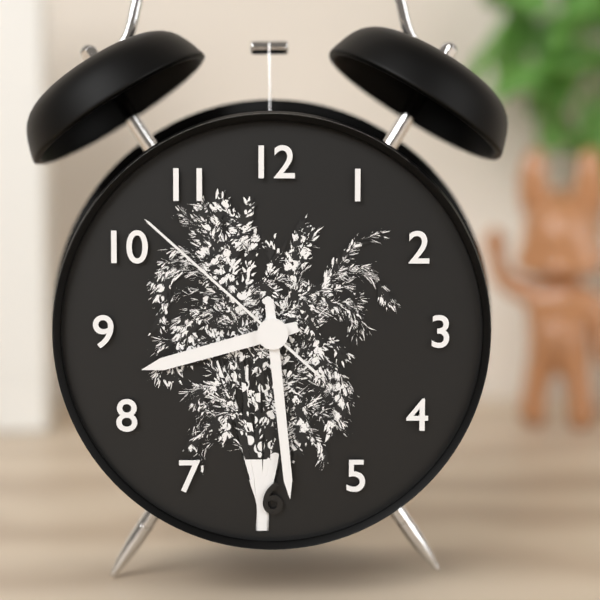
8,29,52
